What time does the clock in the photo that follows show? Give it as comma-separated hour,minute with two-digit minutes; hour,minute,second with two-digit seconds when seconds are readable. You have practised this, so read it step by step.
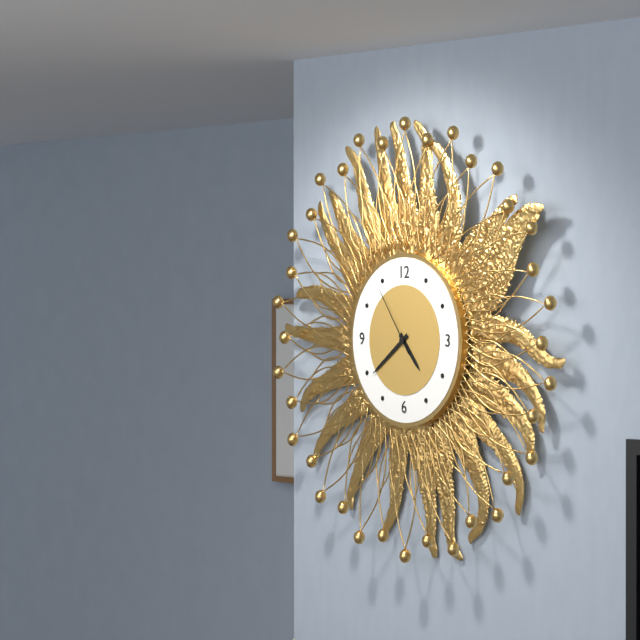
4,39,54
